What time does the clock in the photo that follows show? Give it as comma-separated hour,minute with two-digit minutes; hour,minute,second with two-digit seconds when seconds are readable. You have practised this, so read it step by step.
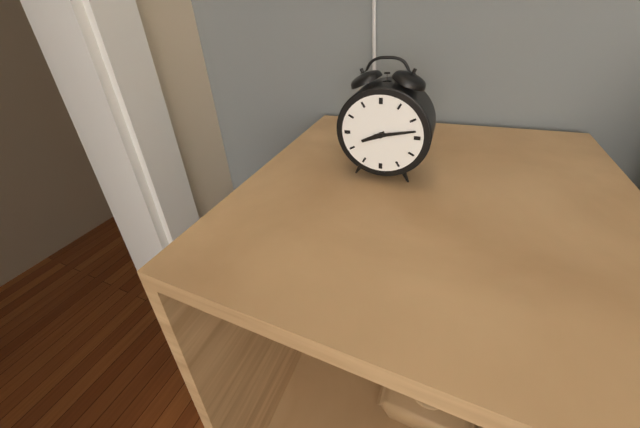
8,13
